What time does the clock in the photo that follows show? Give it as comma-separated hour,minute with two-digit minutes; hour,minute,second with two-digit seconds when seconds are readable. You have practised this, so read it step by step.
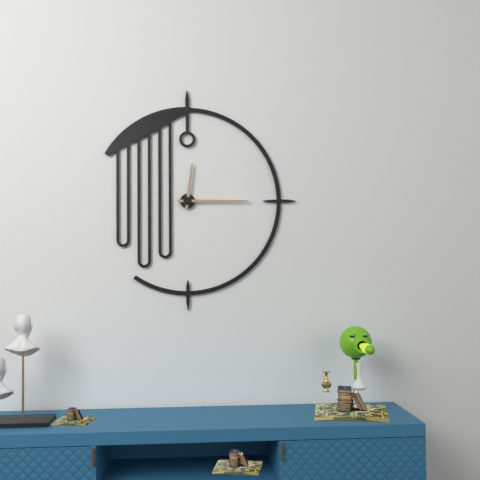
12,15
